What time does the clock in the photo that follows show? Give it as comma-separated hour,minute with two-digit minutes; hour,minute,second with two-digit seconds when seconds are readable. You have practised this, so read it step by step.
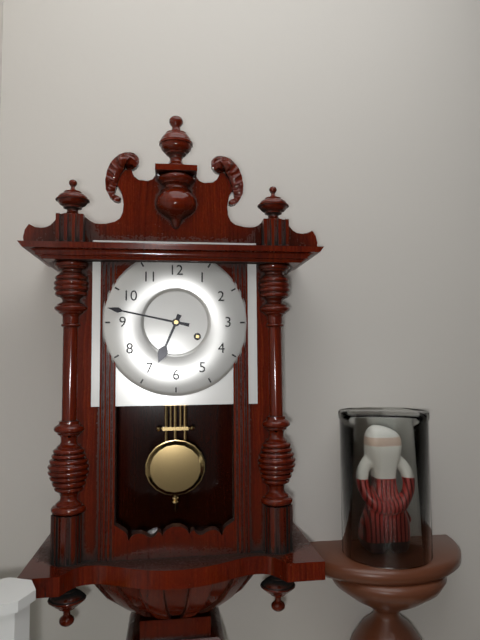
6,47
